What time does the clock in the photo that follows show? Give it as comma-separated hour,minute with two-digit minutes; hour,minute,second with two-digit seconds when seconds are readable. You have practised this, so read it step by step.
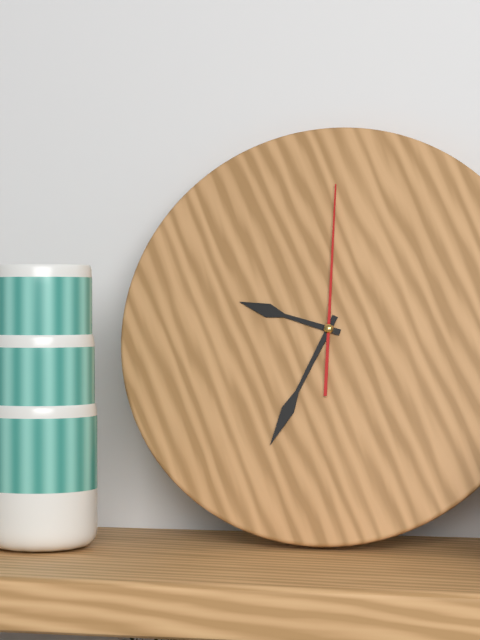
9,34,00
